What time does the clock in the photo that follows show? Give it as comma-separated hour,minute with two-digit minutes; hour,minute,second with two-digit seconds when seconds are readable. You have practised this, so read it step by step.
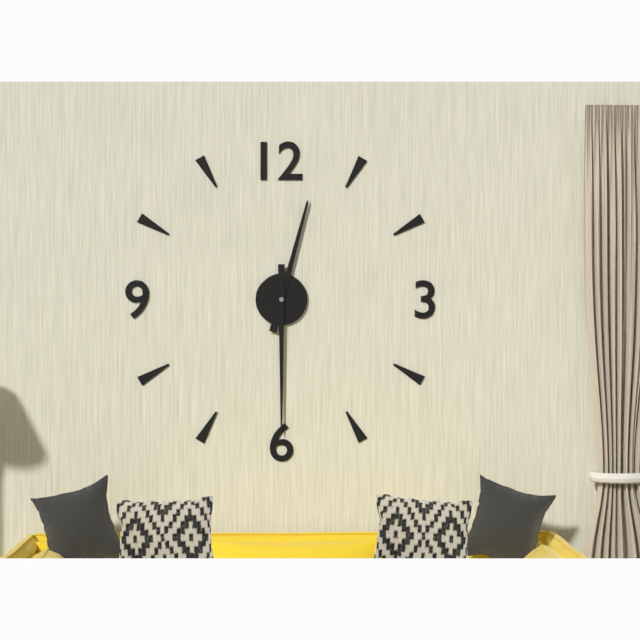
12,30
